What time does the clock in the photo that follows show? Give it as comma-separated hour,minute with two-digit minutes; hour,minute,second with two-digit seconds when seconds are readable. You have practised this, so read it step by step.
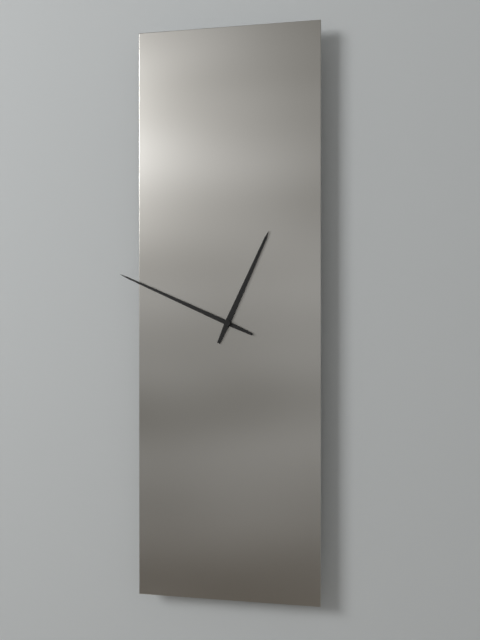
12,49
